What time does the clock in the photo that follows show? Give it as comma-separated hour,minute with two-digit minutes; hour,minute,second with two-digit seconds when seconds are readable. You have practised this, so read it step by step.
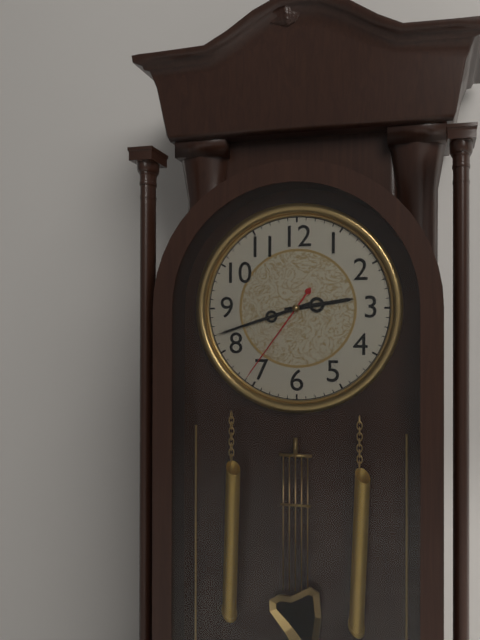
2,42,36
